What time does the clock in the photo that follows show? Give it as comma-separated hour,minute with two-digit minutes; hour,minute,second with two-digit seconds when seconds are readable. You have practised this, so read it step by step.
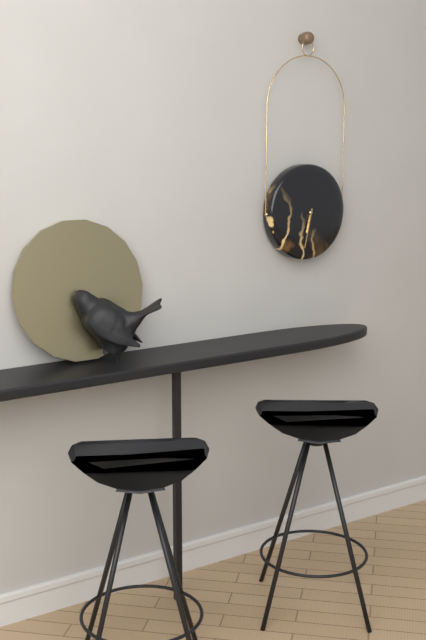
6,32
